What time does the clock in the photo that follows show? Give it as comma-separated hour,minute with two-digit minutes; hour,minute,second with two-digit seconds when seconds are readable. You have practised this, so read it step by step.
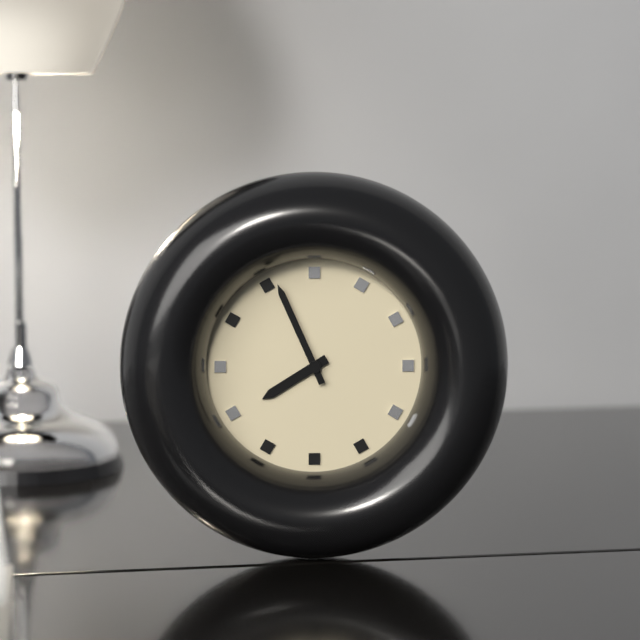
7,56
